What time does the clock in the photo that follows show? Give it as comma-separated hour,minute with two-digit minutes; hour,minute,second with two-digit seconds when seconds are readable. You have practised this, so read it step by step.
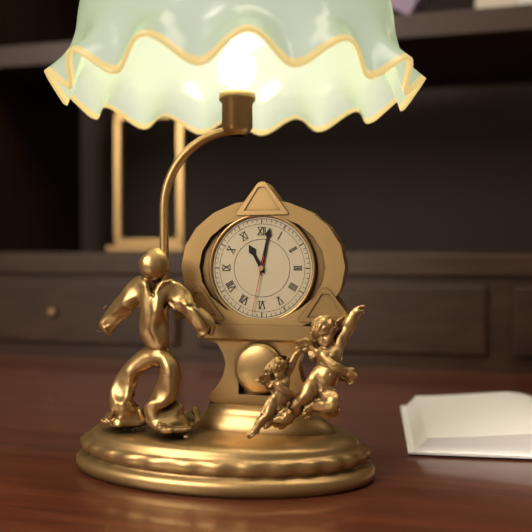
11,02,32
